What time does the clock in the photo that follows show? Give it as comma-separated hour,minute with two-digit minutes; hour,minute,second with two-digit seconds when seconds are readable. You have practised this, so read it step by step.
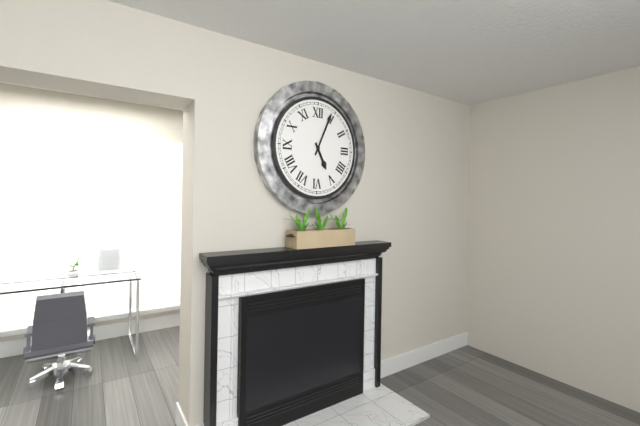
5,04
